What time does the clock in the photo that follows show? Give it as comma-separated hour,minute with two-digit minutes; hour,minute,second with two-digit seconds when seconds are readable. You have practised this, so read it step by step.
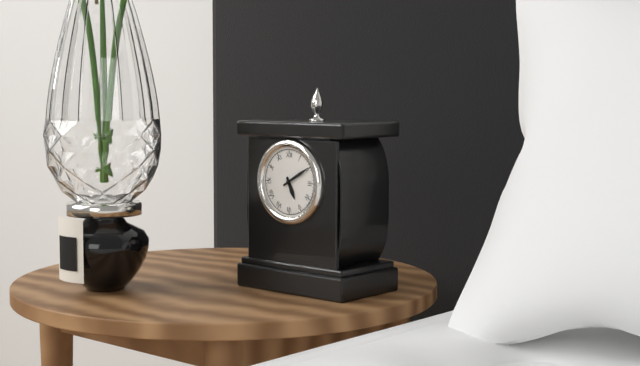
5,10
